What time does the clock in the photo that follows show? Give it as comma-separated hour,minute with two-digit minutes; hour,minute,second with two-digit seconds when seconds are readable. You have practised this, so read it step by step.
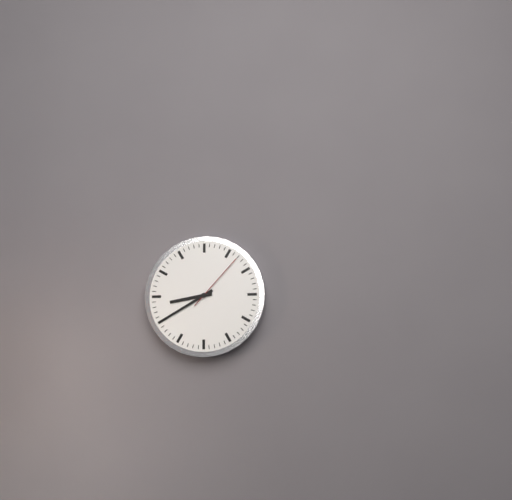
8,40,07
